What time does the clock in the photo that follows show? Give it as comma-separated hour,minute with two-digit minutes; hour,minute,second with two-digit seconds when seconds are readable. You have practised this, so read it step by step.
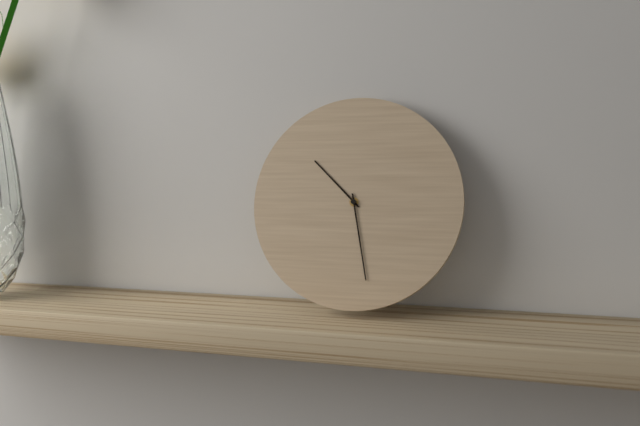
10,28
